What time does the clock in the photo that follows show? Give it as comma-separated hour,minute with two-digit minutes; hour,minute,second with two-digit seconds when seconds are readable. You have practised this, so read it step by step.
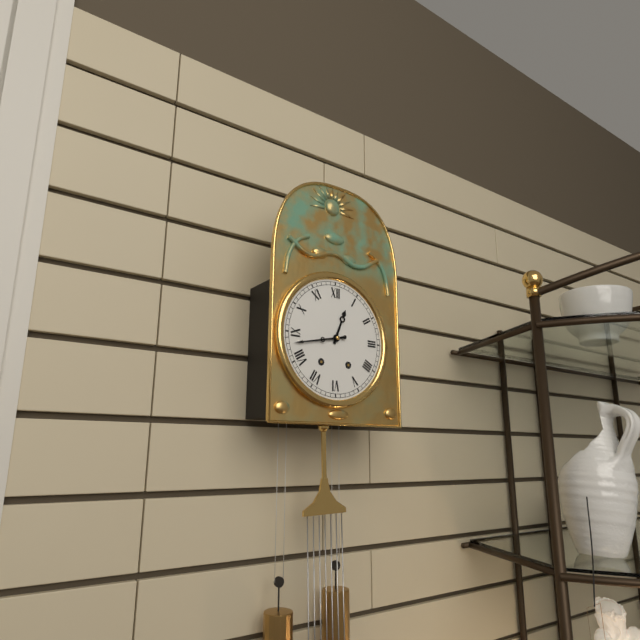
12,43
